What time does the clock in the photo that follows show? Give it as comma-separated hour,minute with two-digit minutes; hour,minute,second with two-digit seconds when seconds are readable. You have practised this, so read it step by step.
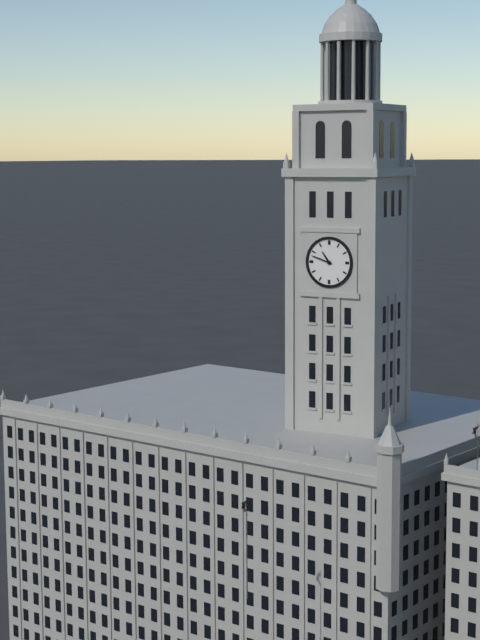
10,48
